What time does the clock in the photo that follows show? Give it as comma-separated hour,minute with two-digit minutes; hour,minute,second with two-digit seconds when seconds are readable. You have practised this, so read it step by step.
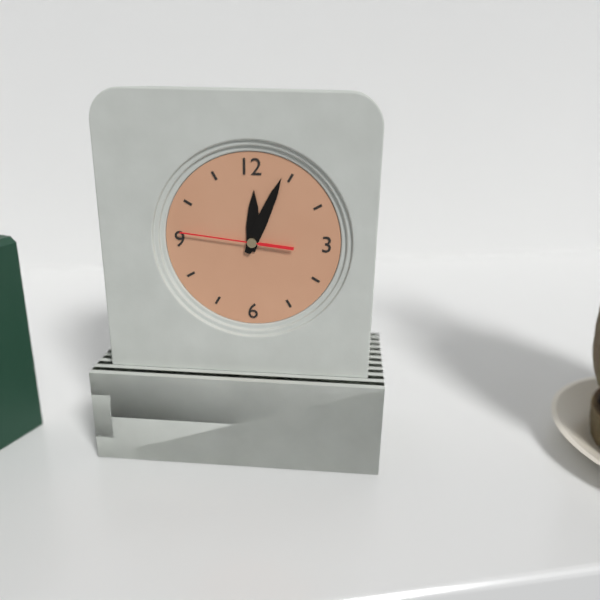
12,04,46
